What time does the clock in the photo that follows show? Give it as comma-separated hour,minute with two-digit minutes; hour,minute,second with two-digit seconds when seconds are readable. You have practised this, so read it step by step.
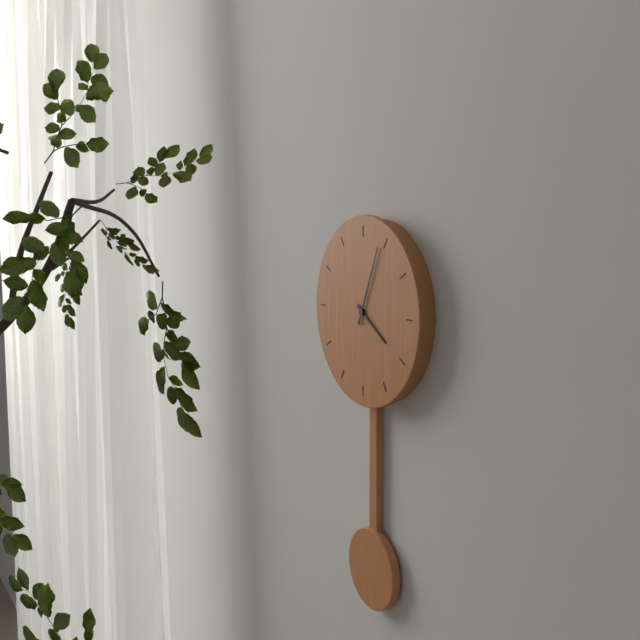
4,04
